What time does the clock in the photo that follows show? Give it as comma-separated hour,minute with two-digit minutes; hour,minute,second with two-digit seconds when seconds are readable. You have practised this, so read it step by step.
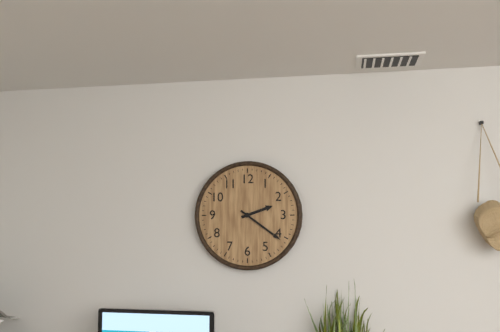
2,21
